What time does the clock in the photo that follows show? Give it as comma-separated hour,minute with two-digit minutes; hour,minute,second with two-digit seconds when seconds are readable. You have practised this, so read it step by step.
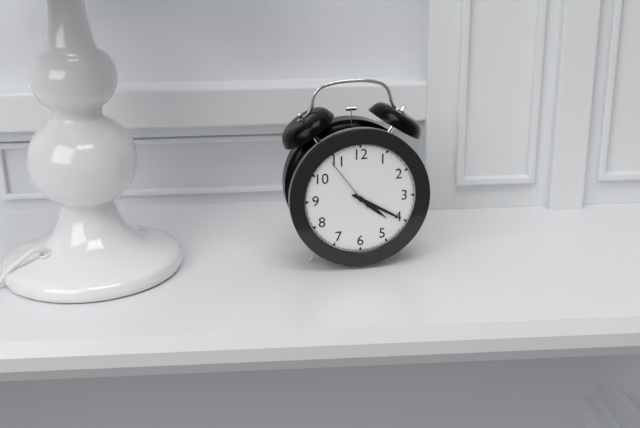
4,20,54
